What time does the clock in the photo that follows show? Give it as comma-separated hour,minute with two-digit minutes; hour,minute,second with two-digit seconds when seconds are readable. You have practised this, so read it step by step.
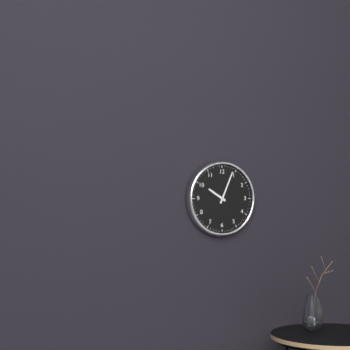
10,04
